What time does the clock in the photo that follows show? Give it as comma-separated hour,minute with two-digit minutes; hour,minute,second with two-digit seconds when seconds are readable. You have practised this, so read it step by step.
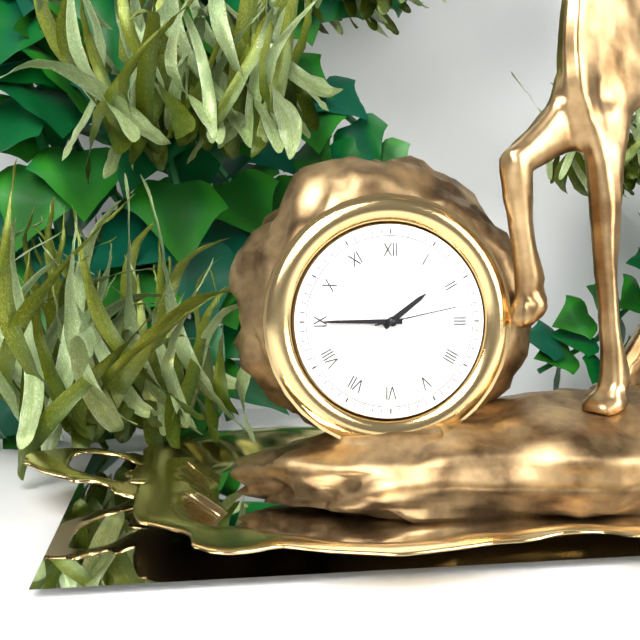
1,45,13
